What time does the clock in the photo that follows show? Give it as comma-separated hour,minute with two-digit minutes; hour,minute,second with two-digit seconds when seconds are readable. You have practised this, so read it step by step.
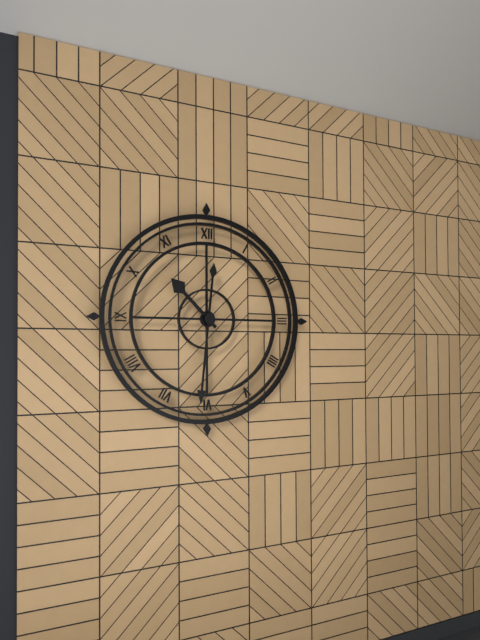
10,31
